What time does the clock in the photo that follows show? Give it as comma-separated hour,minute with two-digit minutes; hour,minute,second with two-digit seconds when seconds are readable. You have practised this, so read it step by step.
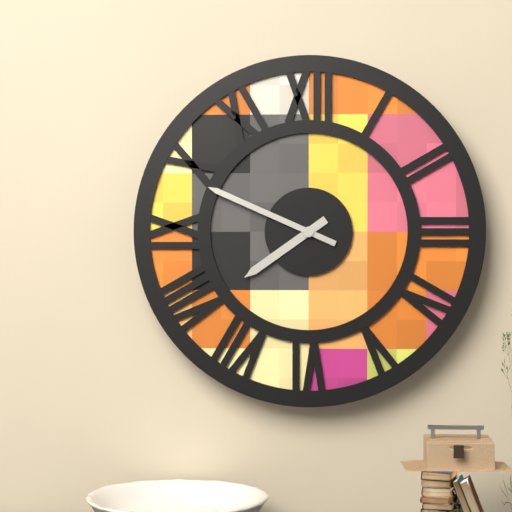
7,49
